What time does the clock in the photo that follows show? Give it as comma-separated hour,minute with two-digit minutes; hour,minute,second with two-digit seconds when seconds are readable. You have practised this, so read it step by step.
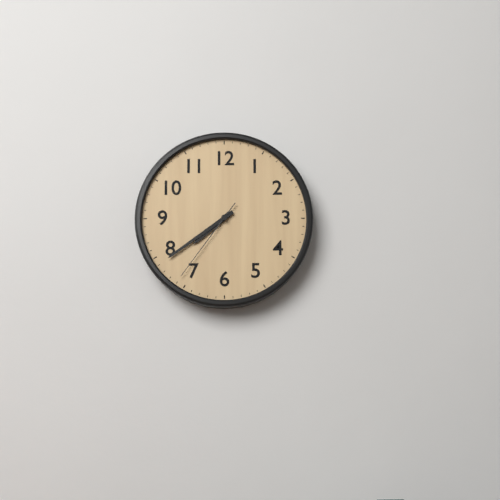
7,39,36
